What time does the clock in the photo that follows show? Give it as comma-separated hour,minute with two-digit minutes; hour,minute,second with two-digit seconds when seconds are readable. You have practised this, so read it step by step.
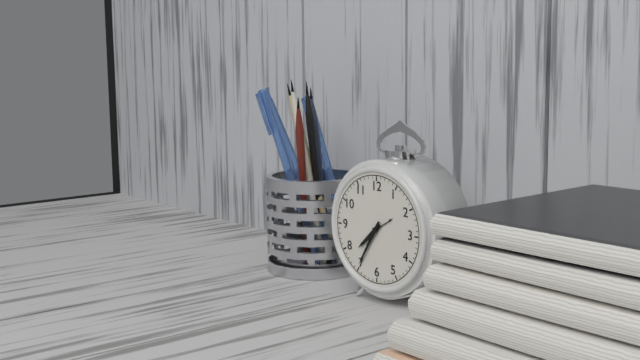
7,35
